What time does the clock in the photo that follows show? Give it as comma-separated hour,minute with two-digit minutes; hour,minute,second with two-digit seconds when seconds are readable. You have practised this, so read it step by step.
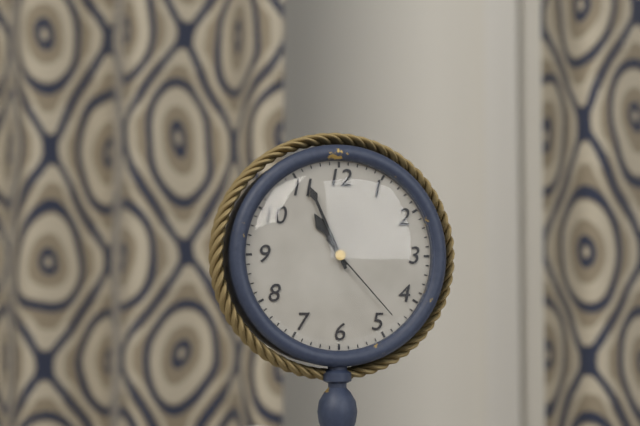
10,56,23
